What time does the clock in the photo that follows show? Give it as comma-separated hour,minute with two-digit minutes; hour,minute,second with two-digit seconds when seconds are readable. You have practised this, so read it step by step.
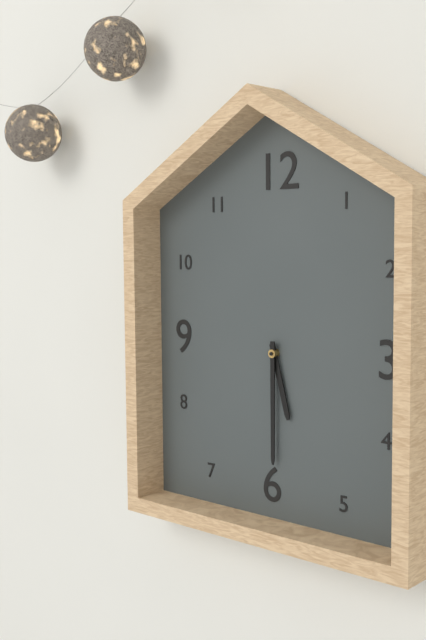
5,30
